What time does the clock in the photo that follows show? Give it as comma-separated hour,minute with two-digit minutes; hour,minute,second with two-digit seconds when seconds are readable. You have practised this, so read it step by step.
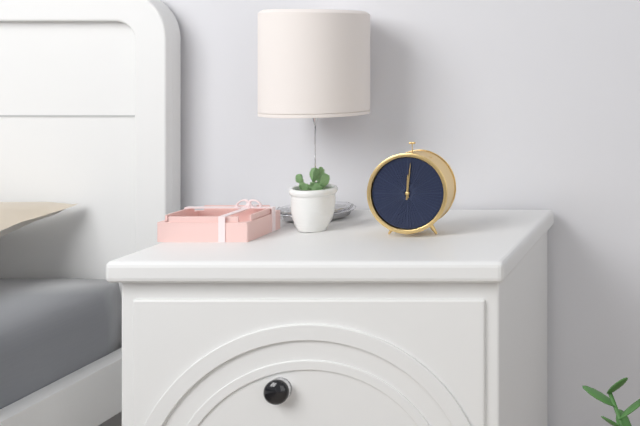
12,01
